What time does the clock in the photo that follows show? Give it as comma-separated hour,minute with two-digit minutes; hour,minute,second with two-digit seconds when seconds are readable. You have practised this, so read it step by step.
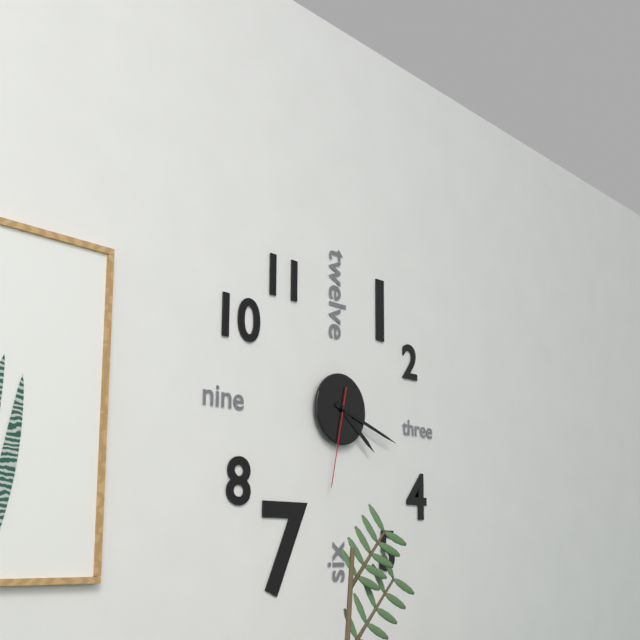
4,18,32
